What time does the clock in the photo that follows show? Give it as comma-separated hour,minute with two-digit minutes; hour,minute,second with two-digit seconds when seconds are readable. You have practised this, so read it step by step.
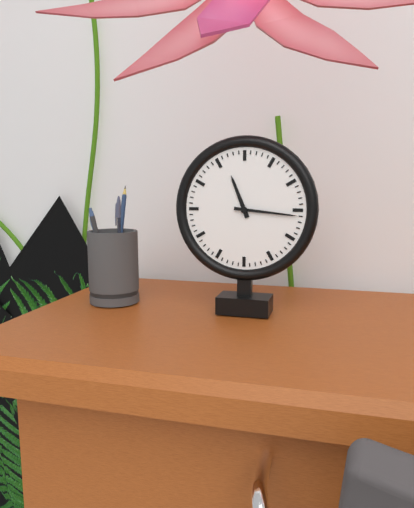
11,16
